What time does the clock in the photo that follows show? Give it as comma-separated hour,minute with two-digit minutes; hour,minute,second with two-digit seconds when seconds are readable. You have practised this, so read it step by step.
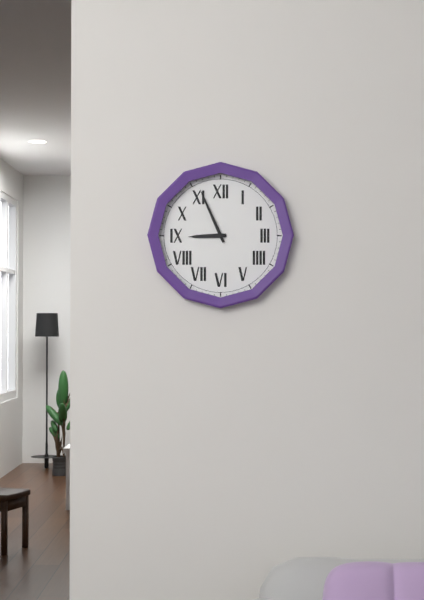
8,56
